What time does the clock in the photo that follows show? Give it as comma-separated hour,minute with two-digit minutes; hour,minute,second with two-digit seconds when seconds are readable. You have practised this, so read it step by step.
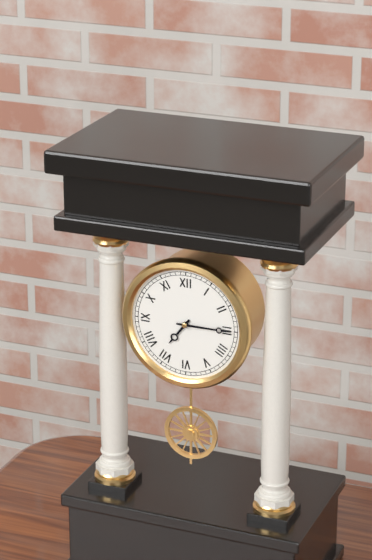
7,15
